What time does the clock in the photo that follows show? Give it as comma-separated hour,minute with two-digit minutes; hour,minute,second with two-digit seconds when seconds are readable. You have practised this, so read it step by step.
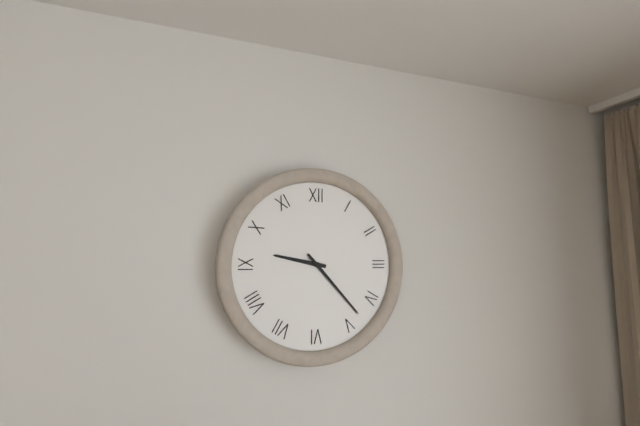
9,23
